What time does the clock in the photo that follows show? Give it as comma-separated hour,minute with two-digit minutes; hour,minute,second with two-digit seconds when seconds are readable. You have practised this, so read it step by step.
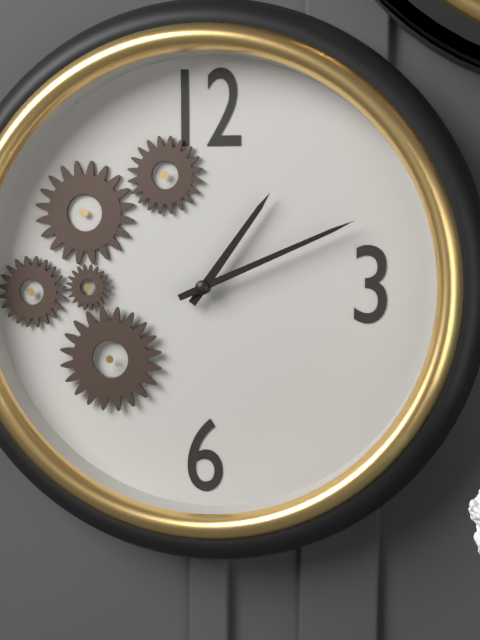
1,11
